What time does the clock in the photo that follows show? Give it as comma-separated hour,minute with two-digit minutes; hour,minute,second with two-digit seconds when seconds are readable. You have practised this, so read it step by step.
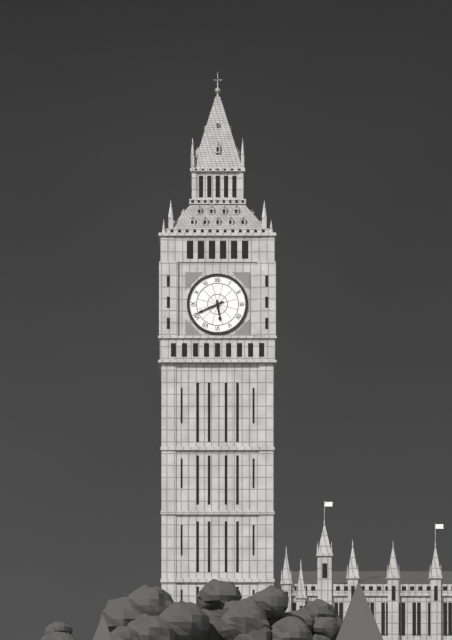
5,41
